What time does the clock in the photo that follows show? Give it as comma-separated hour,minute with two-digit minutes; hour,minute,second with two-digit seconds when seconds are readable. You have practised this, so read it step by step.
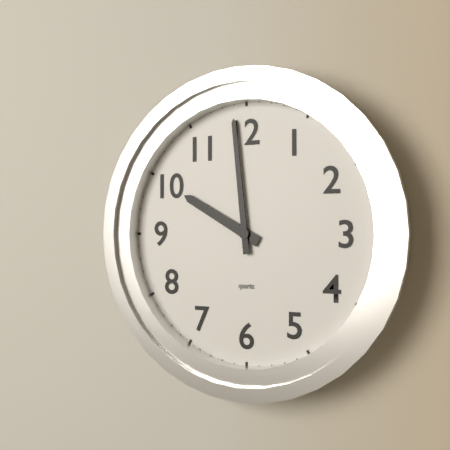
9,59
